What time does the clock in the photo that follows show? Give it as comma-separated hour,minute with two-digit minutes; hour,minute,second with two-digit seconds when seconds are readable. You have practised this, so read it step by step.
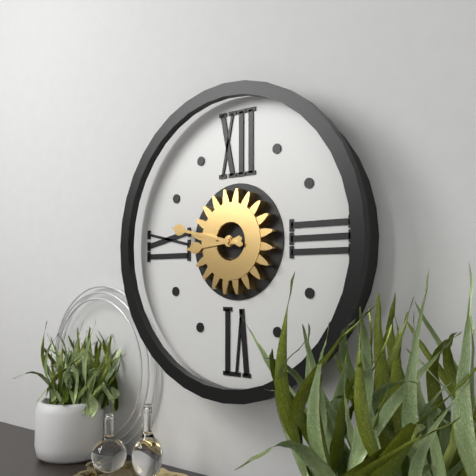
8,47
